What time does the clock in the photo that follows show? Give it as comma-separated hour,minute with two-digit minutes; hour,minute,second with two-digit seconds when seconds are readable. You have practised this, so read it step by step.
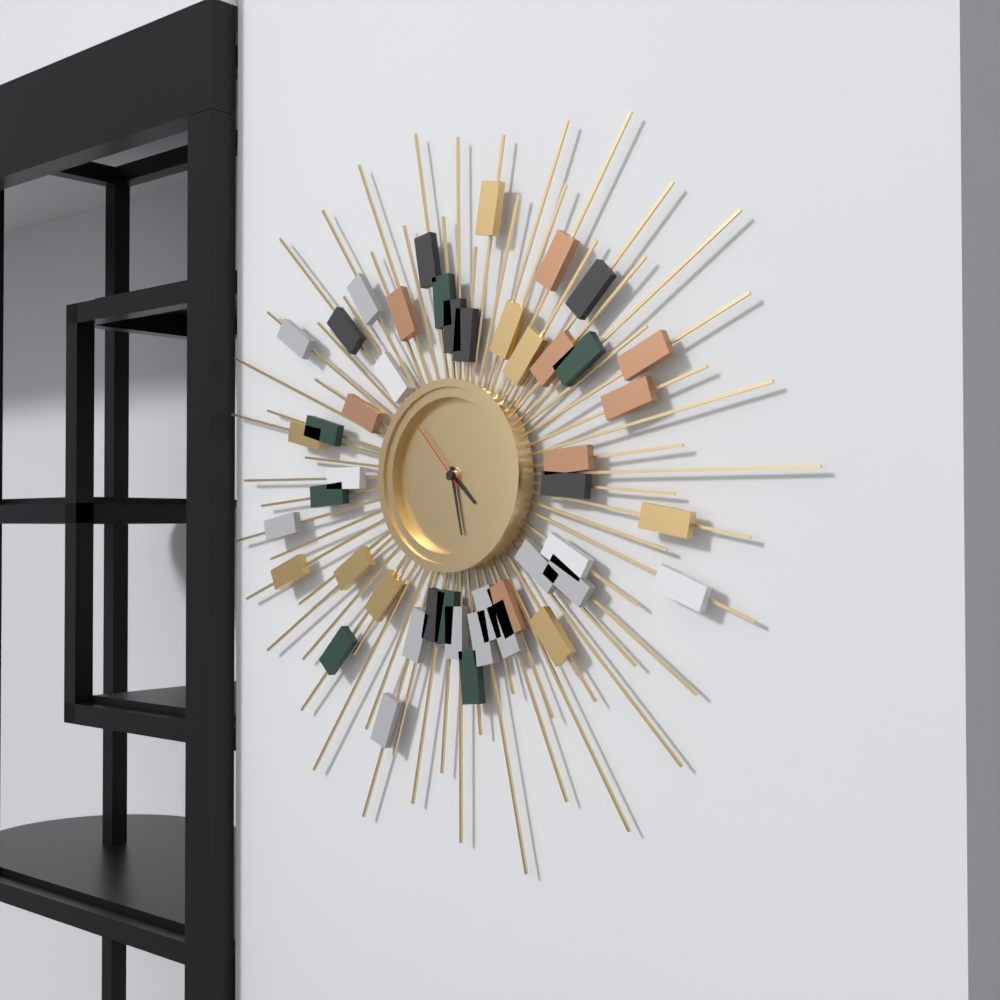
4,28,53
